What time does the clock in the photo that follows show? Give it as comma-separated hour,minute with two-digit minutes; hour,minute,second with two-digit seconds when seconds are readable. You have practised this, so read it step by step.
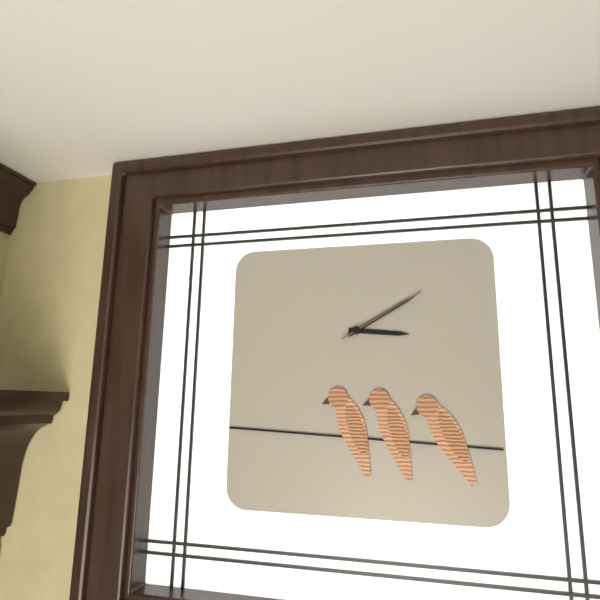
3,10,10
